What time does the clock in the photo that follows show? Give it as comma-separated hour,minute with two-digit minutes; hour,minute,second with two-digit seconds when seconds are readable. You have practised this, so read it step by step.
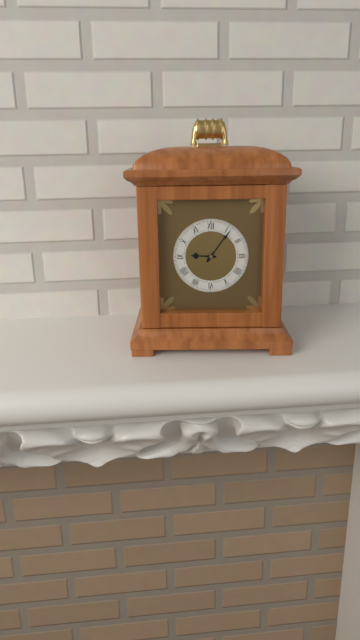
9,06
